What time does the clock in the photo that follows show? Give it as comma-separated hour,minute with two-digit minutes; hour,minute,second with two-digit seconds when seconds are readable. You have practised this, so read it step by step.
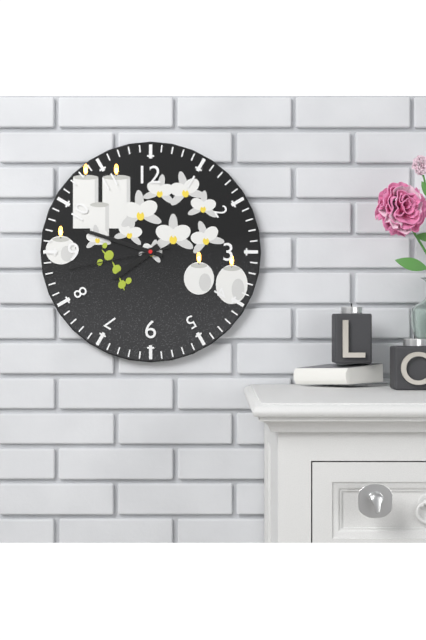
7,48,43
